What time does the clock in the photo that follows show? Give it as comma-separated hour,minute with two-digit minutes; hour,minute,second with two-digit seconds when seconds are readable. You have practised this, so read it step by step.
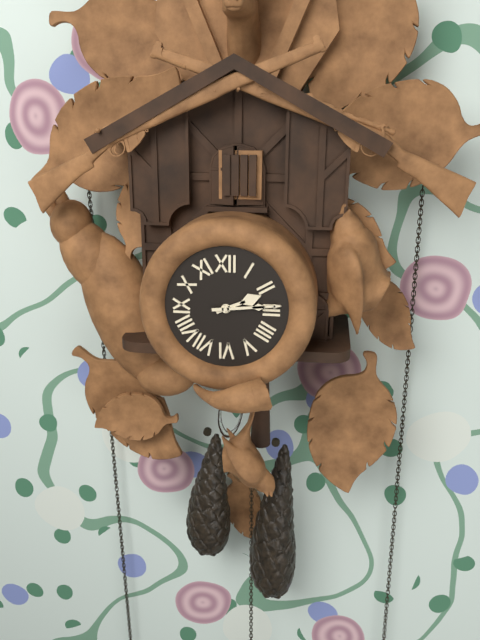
2,14
